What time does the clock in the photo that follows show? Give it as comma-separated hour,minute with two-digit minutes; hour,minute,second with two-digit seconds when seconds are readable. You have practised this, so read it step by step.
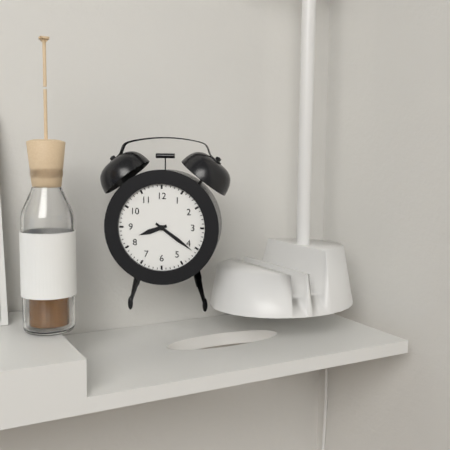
8,21
